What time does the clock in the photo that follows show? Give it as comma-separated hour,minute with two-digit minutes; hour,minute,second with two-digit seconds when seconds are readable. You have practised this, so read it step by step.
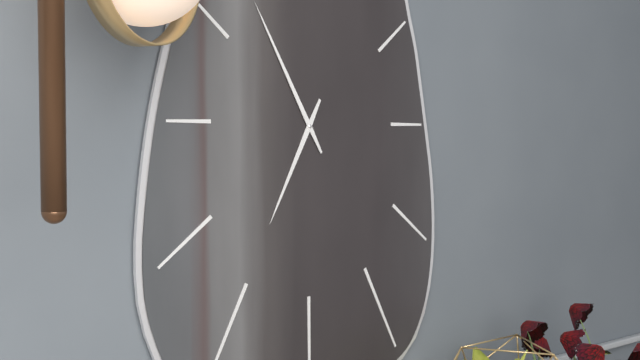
6,55
